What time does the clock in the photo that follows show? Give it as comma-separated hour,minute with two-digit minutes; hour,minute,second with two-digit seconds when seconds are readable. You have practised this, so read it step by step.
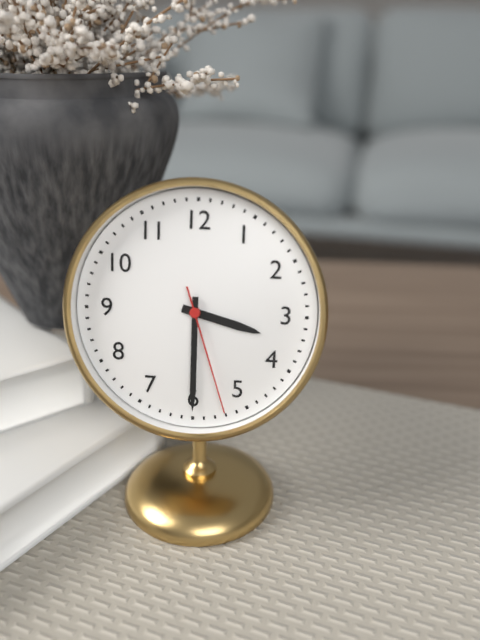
3,30,27
